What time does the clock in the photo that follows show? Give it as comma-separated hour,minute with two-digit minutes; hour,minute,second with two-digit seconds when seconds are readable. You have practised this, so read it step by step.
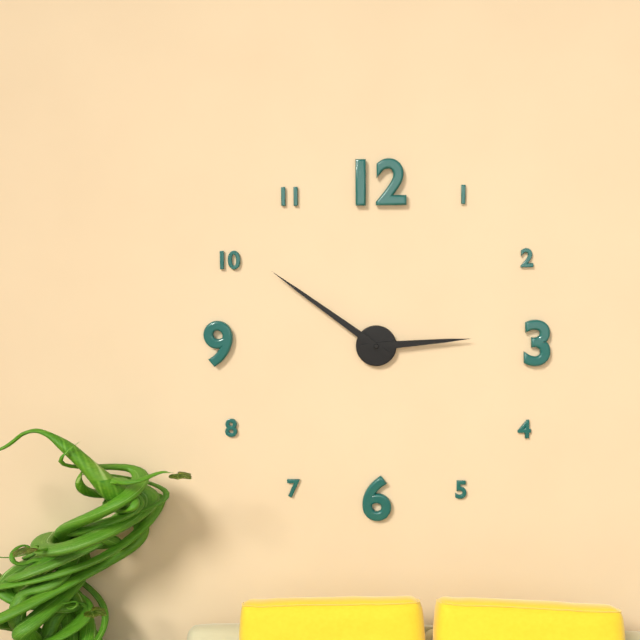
2,51
